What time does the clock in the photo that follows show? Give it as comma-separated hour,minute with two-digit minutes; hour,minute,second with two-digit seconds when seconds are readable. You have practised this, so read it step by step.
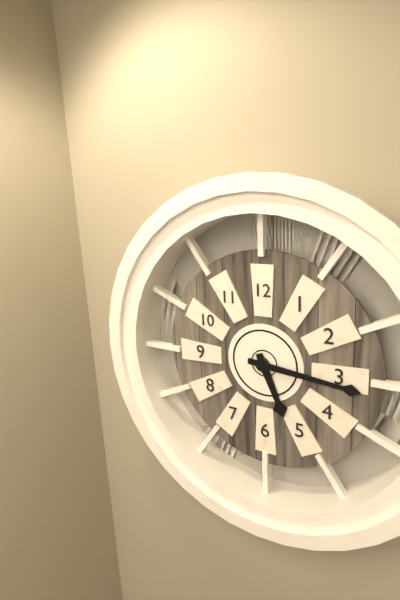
5,16
